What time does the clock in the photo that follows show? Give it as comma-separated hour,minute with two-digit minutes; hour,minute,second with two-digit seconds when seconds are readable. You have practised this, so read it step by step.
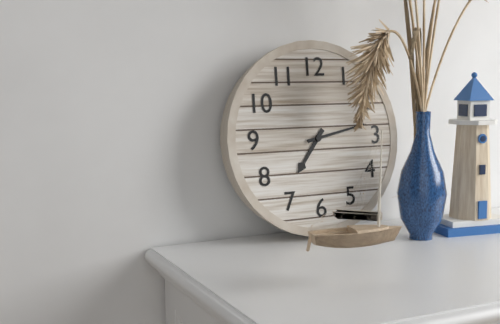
7,13
